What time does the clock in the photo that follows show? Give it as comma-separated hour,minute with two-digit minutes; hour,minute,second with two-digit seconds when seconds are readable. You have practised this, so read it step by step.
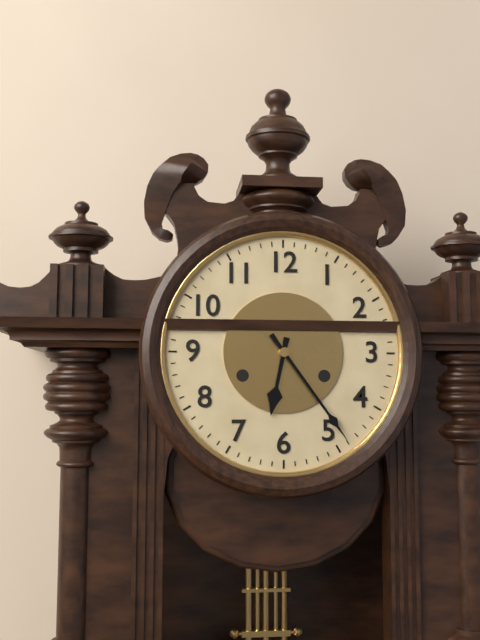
6,24
